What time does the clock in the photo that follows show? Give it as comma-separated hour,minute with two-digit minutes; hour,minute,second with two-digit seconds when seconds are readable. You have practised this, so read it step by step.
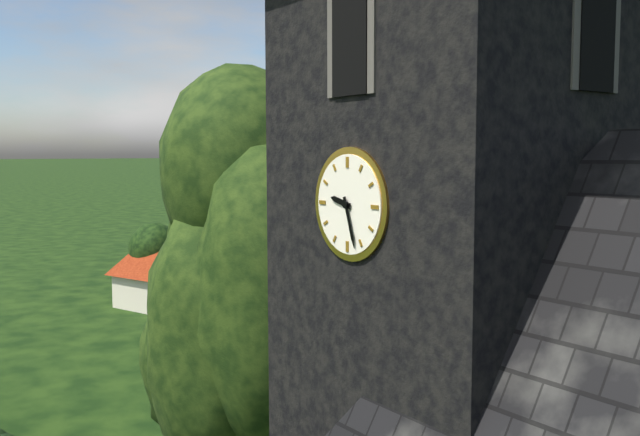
9,27
